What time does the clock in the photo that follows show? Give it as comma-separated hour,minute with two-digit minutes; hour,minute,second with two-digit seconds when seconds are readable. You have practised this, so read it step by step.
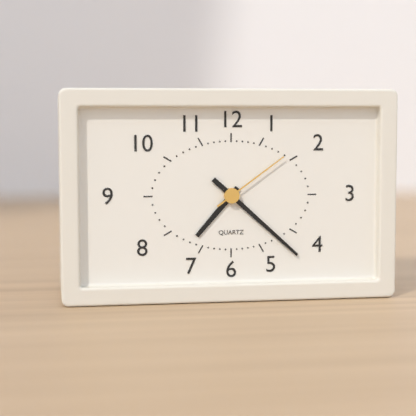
7,22,09
